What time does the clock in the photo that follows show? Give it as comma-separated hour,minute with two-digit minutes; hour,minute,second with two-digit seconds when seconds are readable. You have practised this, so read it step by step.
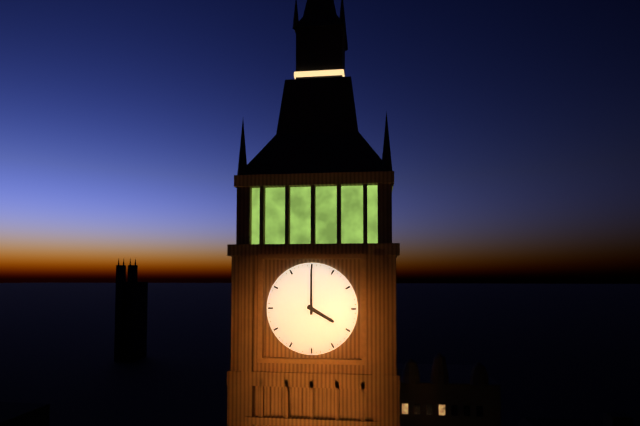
4,00
